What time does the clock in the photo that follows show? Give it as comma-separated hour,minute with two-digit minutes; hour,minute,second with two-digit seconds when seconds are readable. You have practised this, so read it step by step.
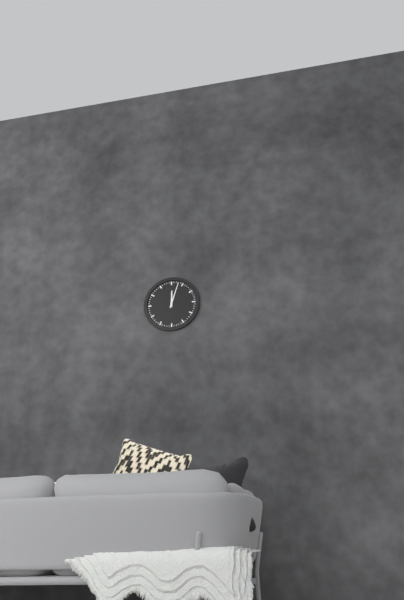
12,03
